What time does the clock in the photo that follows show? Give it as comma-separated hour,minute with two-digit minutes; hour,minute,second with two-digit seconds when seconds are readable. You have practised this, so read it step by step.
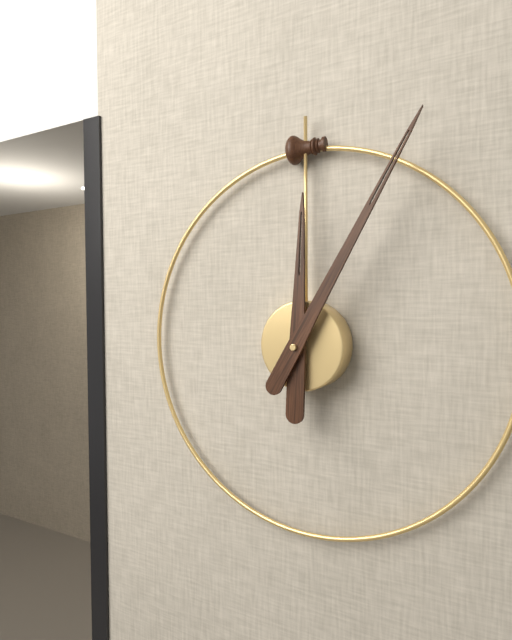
12,05
